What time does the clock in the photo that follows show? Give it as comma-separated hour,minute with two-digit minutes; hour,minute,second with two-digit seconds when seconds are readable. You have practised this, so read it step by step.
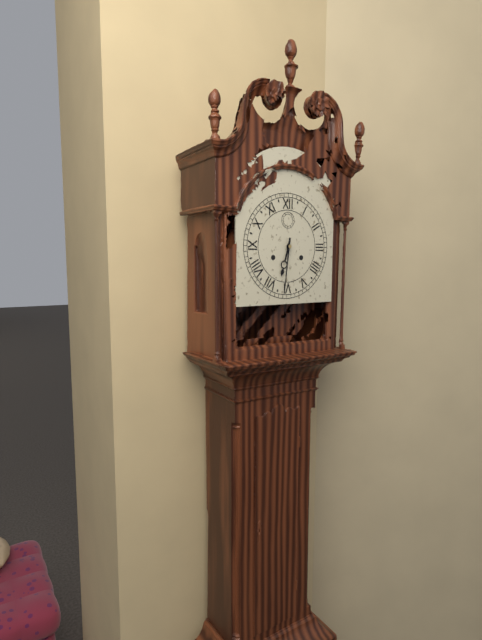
6,31
